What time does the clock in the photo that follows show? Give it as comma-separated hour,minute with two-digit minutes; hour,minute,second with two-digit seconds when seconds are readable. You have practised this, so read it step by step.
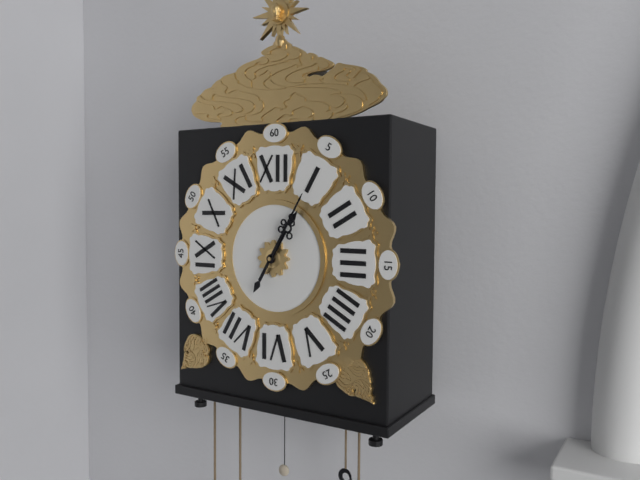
1,05
